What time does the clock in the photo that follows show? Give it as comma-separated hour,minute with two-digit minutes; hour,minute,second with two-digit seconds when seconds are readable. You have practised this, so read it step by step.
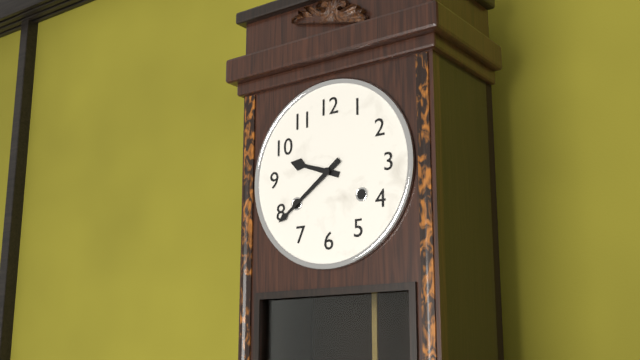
9,39
